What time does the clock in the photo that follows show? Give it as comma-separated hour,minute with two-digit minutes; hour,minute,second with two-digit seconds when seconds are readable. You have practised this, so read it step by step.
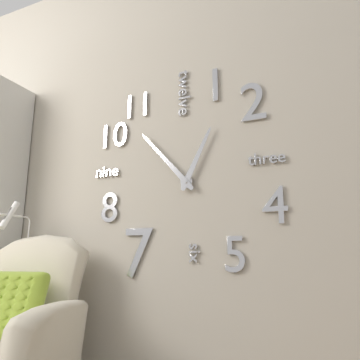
12,53
